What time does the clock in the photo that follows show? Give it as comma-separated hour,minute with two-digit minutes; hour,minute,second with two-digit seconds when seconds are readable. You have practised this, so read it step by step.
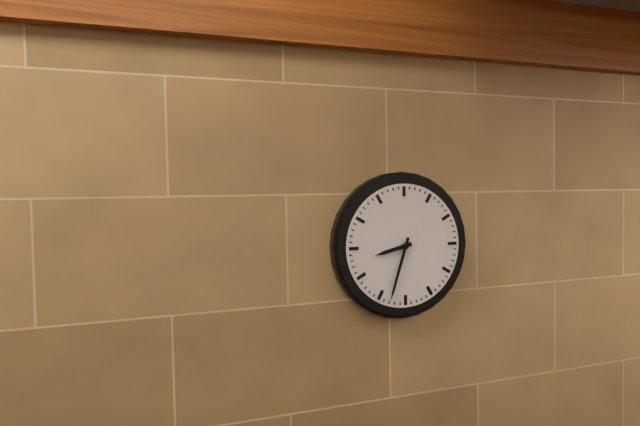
8,33
